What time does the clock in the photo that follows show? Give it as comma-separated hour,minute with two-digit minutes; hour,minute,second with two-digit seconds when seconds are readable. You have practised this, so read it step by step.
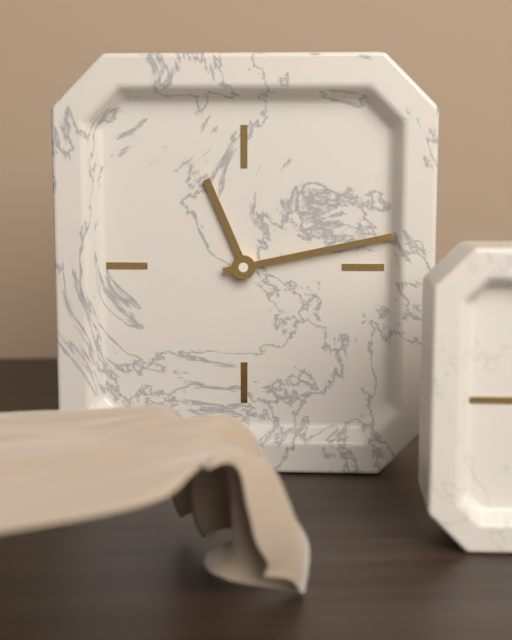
11,13
